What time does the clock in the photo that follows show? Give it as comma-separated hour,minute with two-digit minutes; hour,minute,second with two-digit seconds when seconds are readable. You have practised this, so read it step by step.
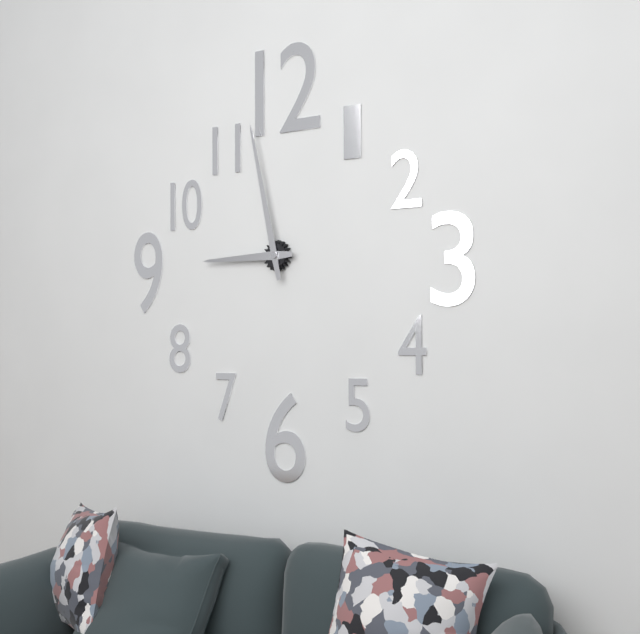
8,58
